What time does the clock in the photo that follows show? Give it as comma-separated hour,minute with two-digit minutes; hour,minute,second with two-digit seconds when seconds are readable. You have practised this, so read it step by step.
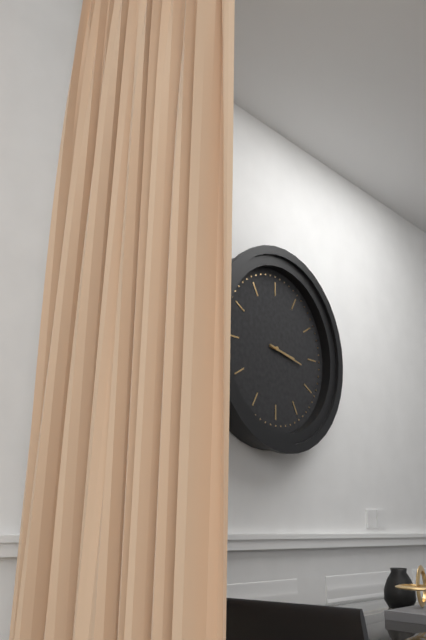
3,17
